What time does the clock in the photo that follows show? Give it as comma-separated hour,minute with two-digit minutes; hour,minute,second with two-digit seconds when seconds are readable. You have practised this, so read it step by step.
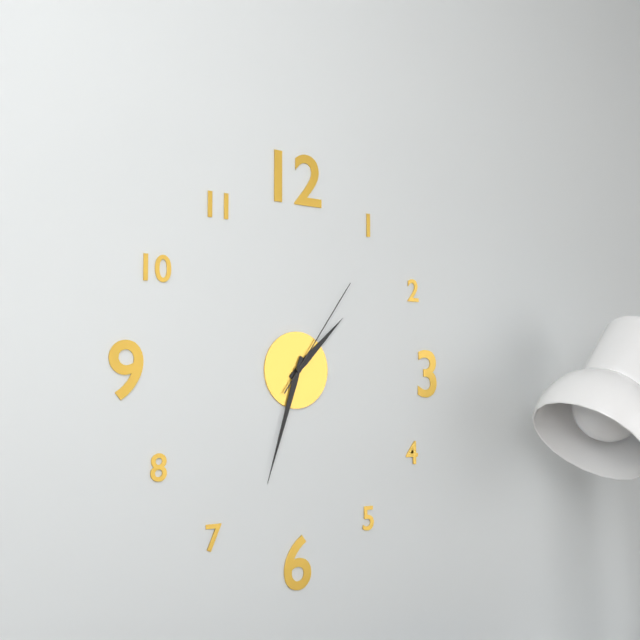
1,33,06
